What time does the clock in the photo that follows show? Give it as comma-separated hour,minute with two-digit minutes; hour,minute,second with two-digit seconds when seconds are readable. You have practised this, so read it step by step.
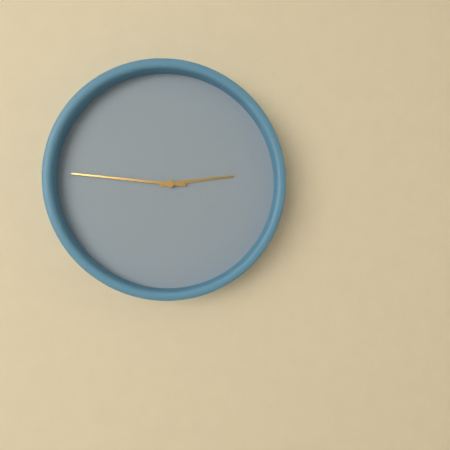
2,46
